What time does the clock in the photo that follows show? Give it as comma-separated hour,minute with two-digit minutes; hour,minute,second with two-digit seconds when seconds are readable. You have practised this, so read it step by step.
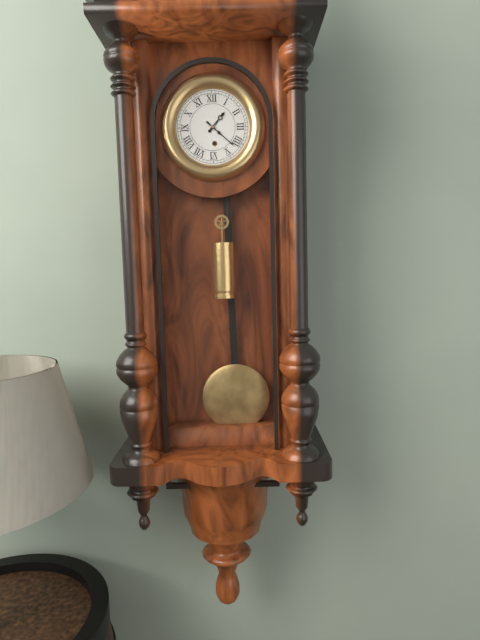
1,22
